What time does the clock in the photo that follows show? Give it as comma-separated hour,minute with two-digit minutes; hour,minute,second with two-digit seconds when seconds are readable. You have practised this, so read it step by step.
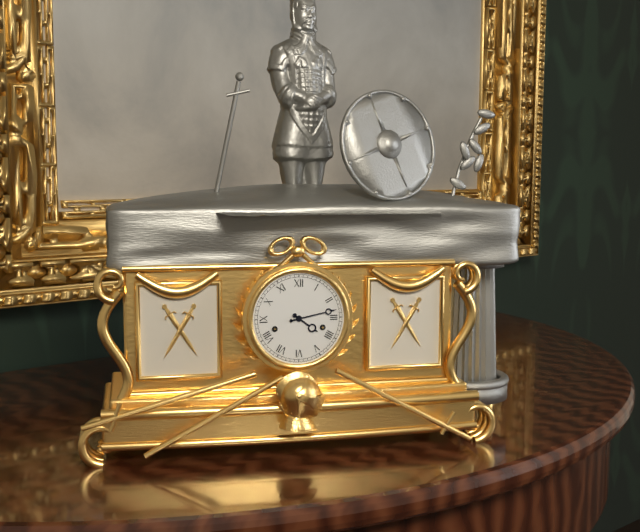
4,13
